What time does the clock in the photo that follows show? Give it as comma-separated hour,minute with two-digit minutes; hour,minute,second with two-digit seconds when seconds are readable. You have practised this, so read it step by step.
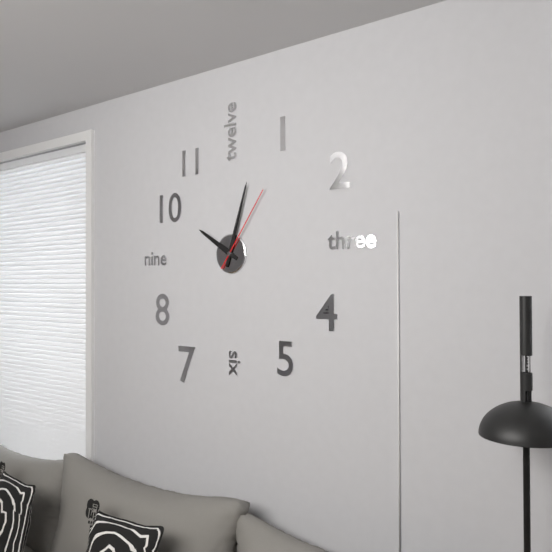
10,03,06
